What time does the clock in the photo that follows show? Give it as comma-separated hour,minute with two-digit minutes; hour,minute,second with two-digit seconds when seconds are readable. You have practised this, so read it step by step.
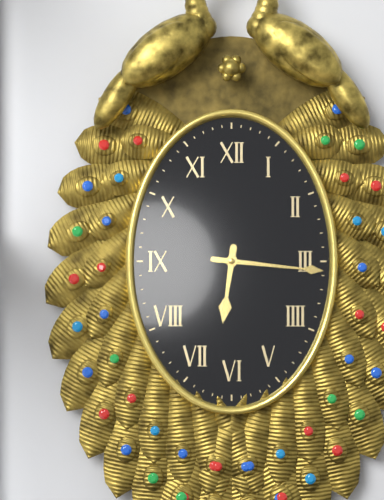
6,16
